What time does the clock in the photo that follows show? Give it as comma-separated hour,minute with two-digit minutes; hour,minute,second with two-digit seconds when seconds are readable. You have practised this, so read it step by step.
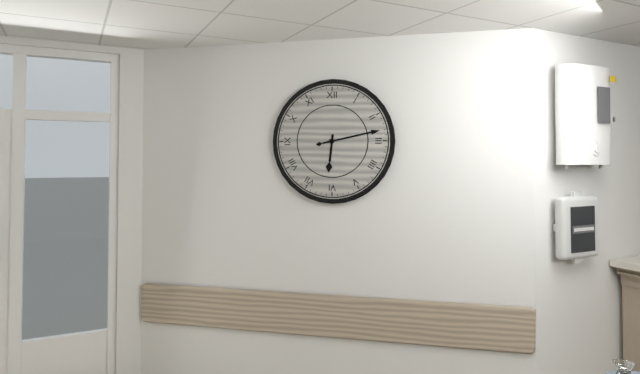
6,13
